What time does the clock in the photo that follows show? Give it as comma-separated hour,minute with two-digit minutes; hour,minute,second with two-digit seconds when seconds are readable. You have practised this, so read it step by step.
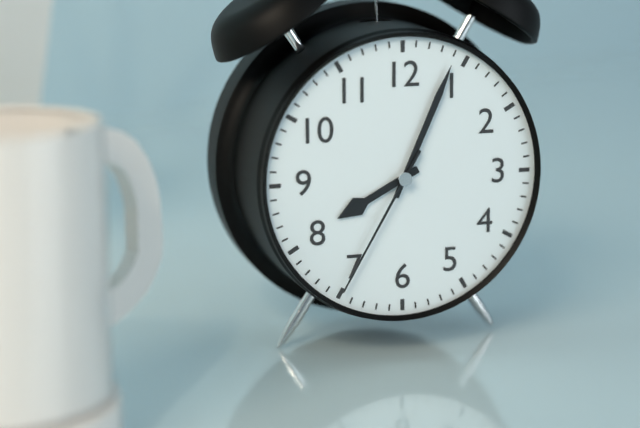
8,04,35
